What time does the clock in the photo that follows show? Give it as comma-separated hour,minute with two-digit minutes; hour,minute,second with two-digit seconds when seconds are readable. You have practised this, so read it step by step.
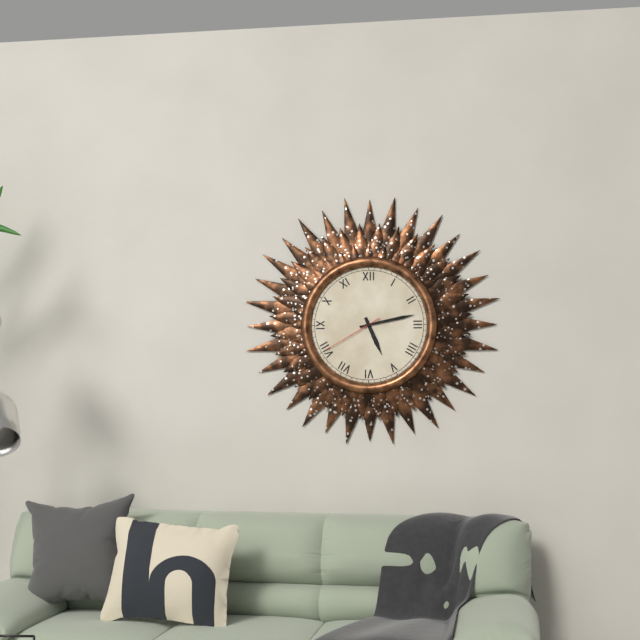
5,13,40
